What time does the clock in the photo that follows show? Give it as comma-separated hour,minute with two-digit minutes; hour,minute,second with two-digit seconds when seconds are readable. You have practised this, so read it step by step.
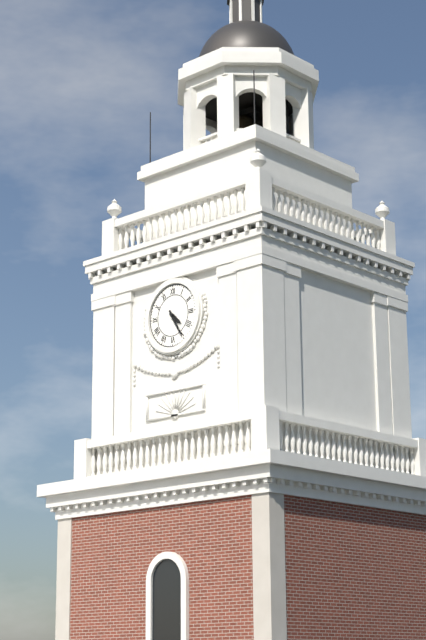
4,25
